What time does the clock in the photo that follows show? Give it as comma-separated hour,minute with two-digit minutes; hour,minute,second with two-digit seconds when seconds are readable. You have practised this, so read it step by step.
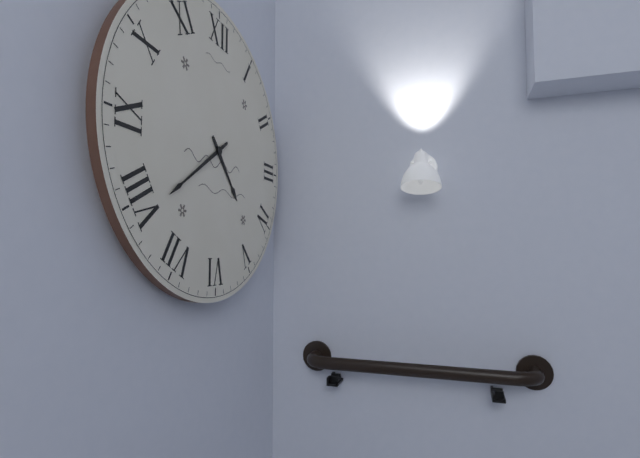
4,39
